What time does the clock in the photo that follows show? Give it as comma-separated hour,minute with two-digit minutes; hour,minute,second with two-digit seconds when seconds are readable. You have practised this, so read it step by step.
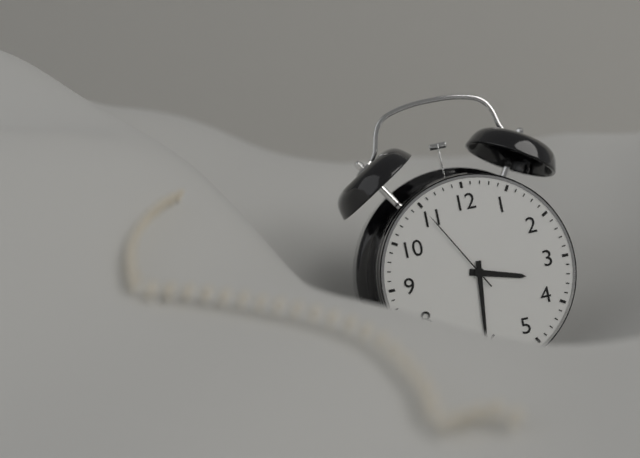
3,31,55
